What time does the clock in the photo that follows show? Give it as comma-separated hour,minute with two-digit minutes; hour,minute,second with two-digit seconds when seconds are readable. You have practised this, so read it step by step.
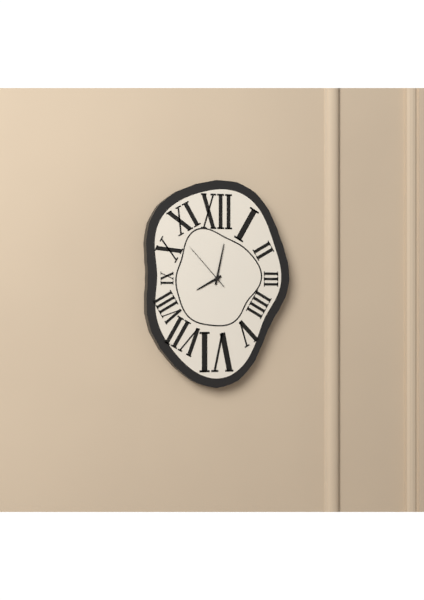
8,02,53
